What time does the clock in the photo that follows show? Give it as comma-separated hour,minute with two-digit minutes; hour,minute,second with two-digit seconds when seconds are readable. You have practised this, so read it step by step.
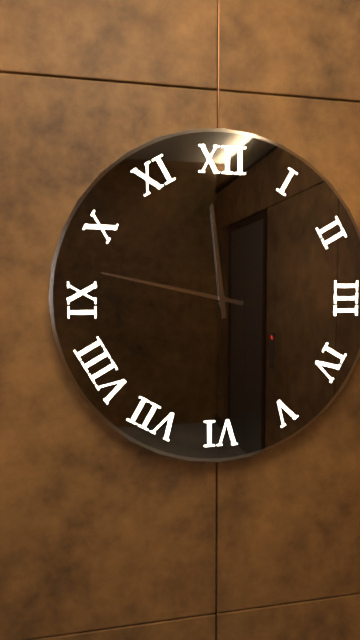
11,47
